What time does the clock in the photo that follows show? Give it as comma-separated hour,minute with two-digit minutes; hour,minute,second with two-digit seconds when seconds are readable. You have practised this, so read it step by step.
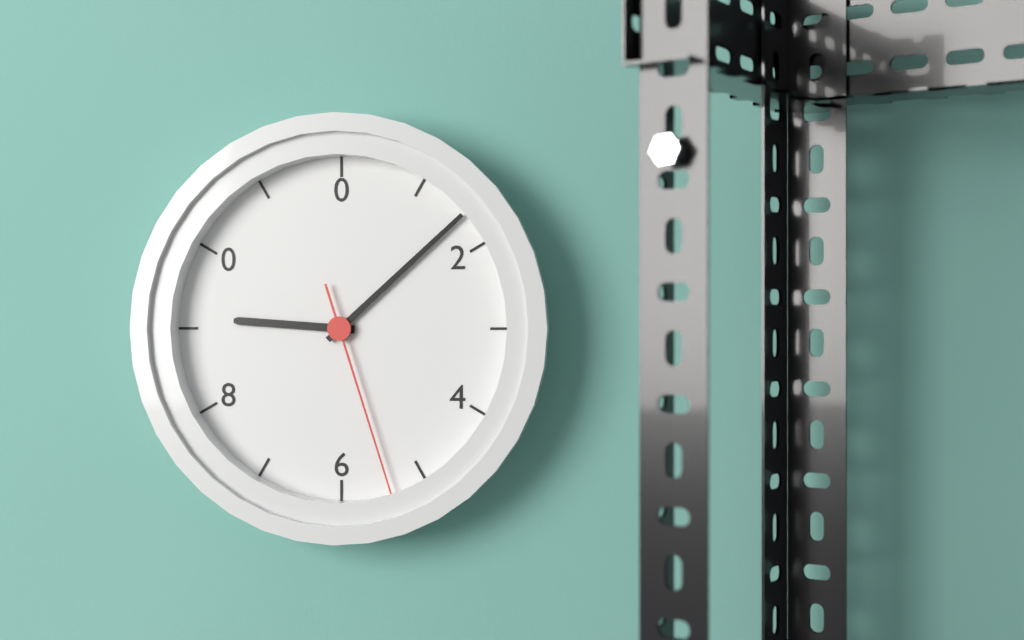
9,08,27
